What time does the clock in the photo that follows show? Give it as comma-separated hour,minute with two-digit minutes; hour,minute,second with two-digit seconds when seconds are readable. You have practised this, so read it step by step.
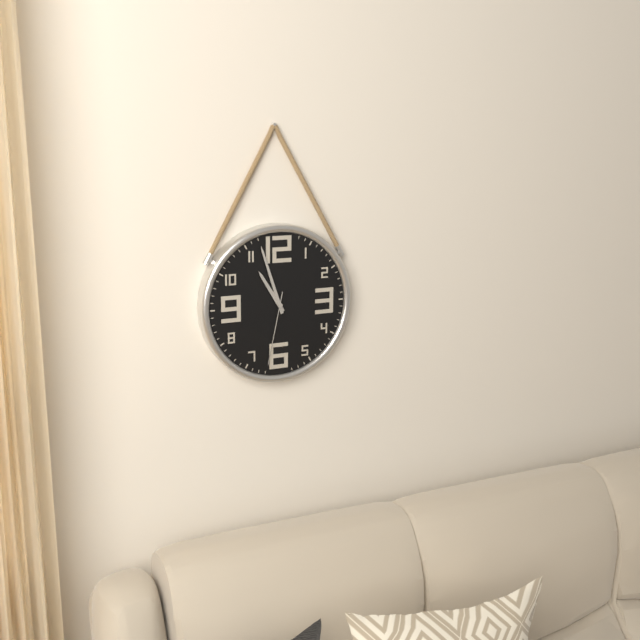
10,57,32
